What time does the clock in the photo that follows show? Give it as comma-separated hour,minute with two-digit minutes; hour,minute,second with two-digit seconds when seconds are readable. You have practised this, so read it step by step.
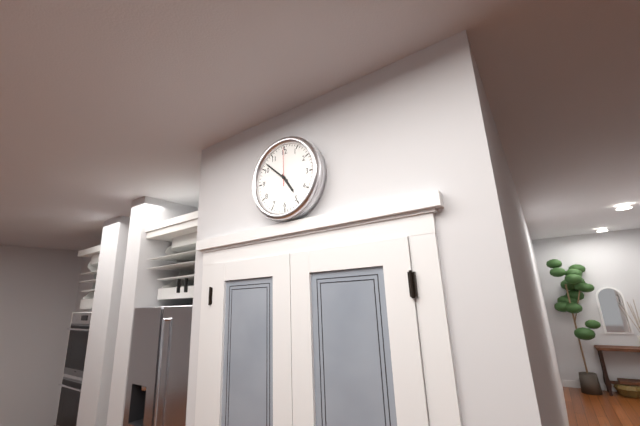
4,52
